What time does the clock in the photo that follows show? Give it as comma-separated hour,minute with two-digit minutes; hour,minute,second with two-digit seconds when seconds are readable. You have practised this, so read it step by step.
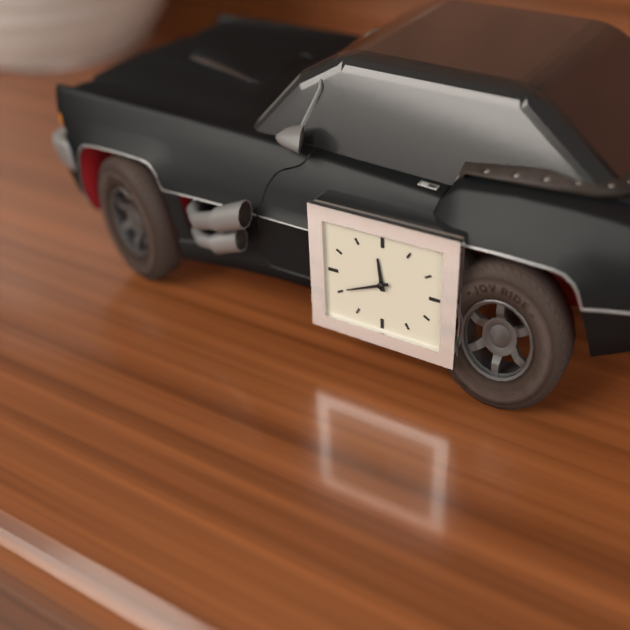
11,41
